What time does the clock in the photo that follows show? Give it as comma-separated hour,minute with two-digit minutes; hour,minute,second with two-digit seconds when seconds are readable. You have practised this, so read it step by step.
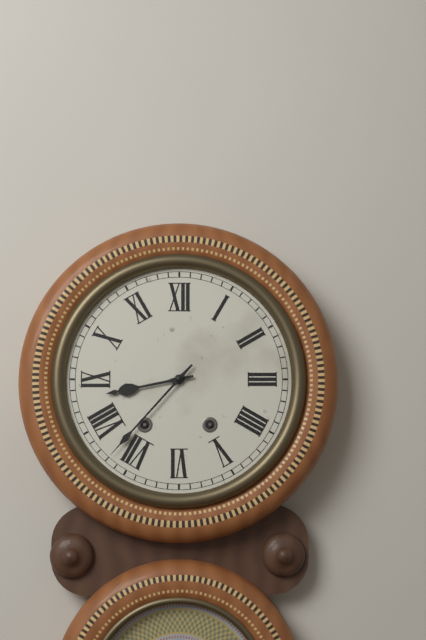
8,37
